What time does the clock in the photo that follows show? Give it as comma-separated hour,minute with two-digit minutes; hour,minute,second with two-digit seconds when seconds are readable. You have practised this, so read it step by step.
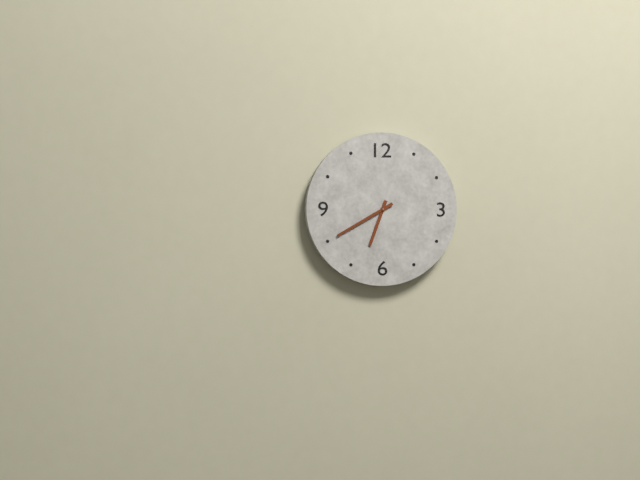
6,40
